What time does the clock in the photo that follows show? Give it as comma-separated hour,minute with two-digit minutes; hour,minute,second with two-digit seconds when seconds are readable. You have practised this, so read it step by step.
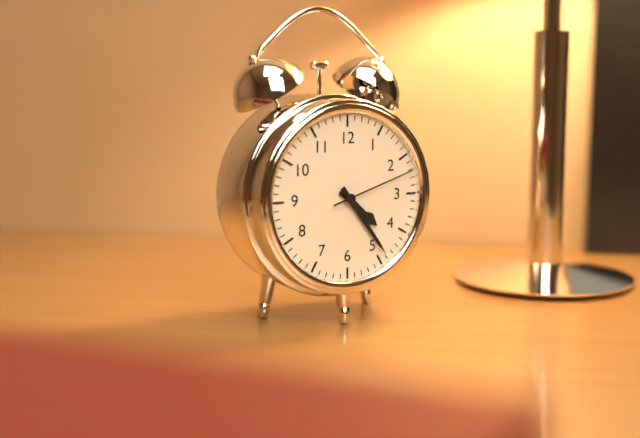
4,24,12
